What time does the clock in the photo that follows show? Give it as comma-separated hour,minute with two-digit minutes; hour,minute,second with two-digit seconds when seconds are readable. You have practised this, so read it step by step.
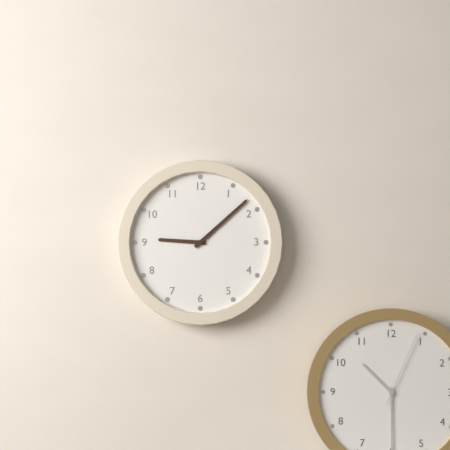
9,08
